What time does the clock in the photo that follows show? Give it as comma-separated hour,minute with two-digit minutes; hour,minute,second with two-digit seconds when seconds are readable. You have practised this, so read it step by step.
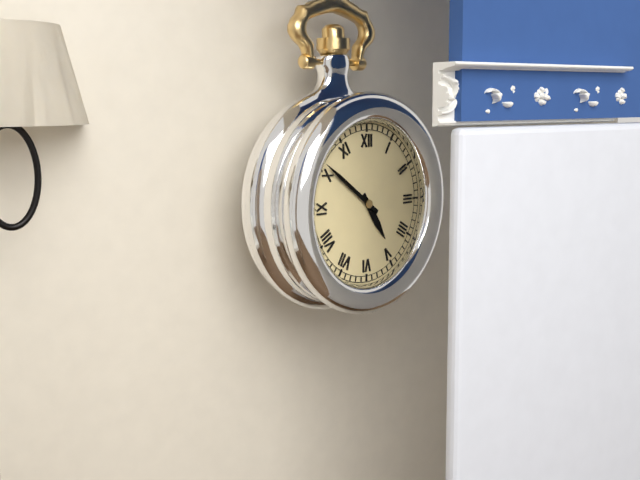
4,51
